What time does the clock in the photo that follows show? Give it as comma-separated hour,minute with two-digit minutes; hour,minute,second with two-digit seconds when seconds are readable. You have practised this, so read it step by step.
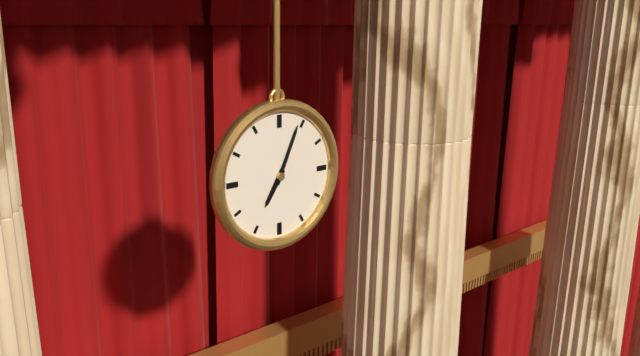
7,04
